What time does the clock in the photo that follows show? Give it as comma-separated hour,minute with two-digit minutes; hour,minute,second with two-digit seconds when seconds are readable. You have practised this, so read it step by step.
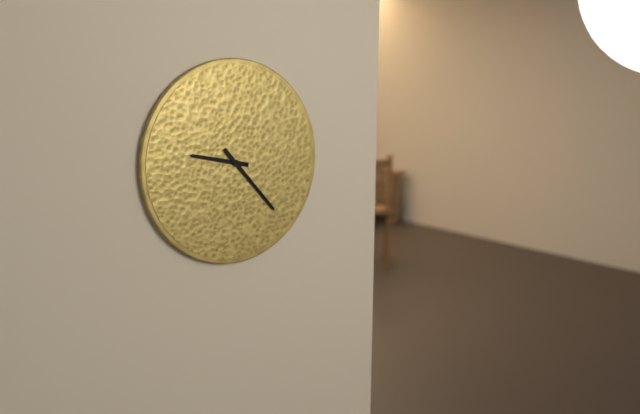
9,23
